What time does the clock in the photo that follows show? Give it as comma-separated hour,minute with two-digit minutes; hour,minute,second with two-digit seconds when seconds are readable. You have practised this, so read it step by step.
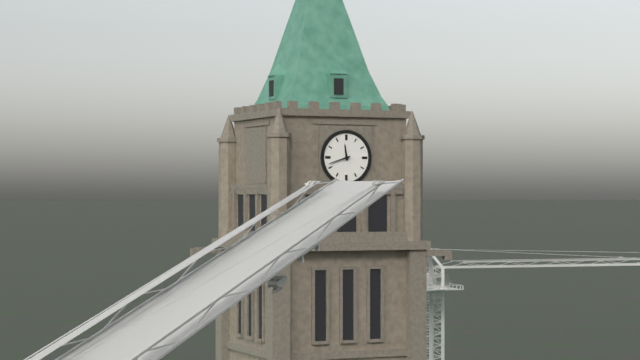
11,42
